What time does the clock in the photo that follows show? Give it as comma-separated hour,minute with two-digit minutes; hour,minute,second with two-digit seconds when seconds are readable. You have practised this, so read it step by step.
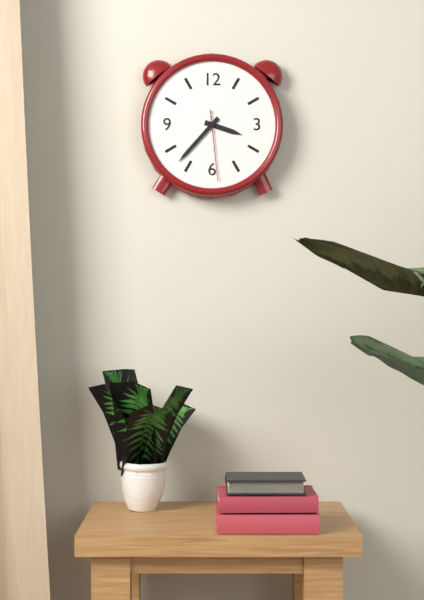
3,37,29
